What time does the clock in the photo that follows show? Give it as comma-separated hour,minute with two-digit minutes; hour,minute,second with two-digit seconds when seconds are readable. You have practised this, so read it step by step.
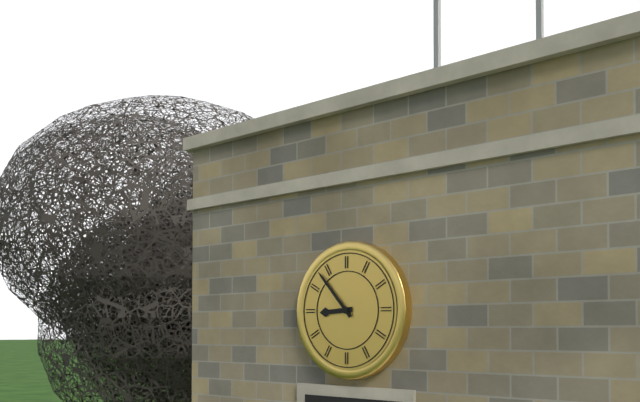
8,53
